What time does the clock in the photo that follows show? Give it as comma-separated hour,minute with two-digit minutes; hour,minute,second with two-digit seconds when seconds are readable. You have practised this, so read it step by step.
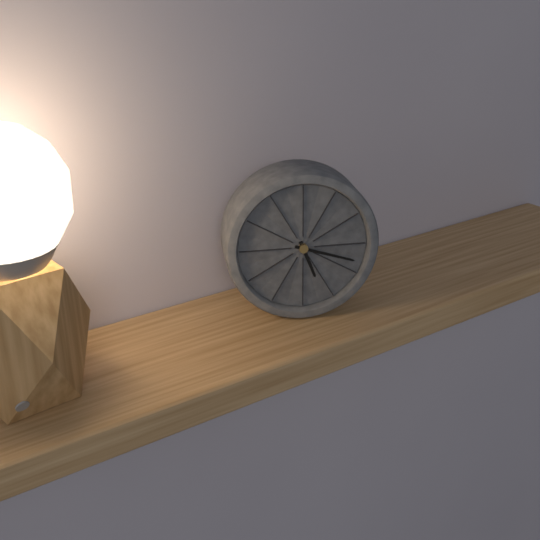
5,18
